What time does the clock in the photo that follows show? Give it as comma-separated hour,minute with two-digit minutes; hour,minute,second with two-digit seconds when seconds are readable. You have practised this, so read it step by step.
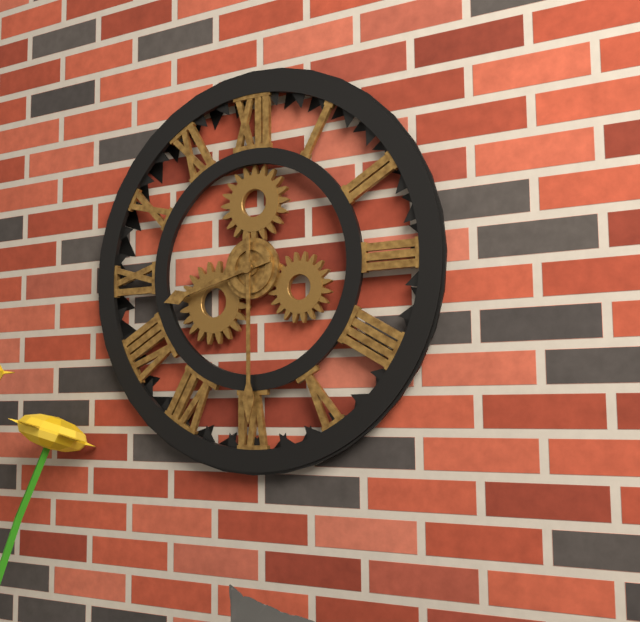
8,30
